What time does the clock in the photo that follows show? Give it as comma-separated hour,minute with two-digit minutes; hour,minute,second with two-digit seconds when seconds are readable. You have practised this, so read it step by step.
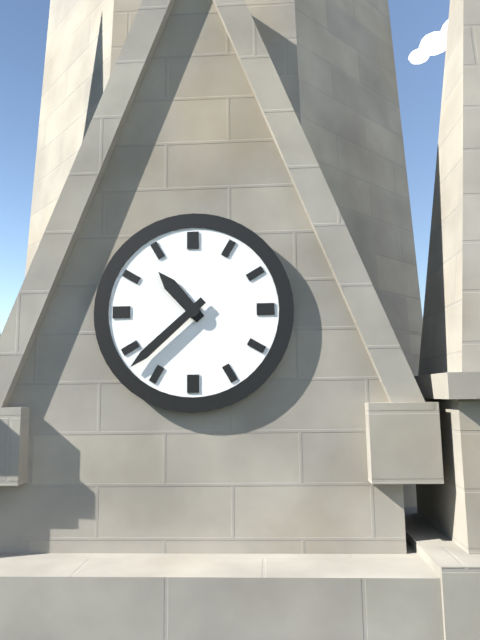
10,38
